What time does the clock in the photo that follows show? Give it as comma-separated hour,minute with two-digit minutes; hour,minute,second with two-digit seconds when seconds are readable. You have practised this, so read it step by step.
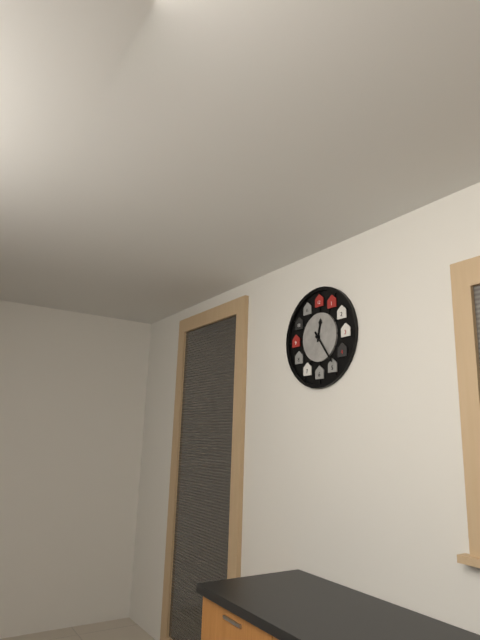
12,24
